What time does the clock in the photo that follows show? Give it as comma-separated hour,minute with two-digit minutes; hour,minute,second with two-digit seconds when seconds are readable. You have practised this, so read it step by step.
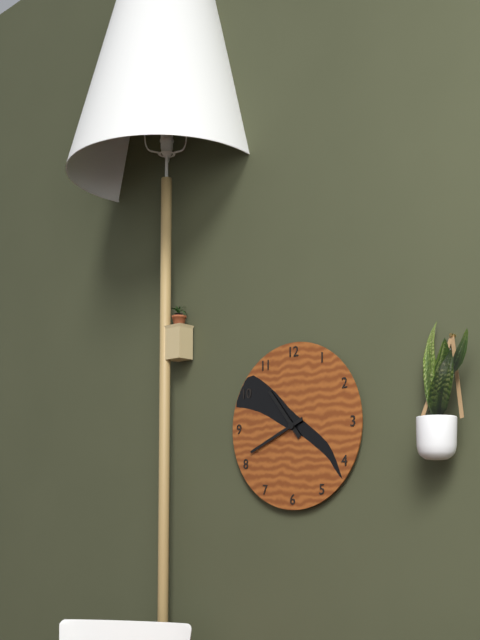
10,41
